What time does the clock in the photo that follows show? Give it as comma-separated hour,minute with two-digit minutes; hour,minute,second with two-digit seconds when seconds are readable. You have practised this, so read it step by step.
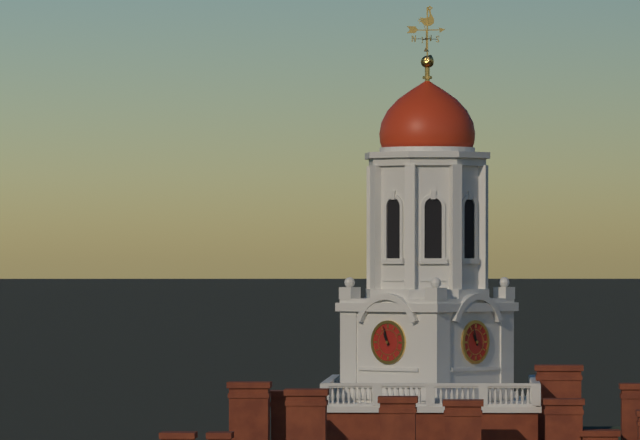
10,57
